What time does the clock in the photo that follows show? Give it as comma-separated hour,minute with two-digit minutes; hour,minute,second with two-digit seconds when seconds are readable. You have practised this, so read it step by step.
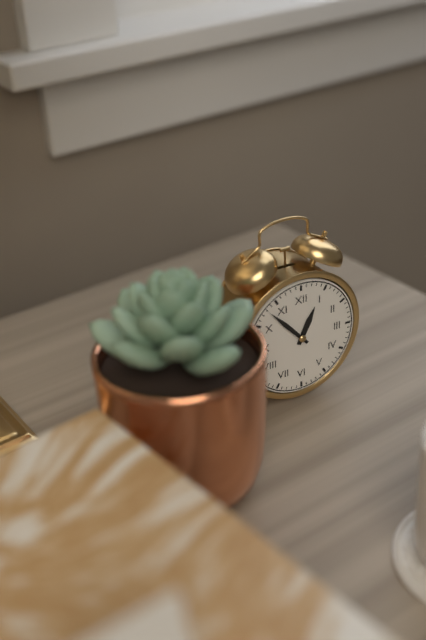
12,53
